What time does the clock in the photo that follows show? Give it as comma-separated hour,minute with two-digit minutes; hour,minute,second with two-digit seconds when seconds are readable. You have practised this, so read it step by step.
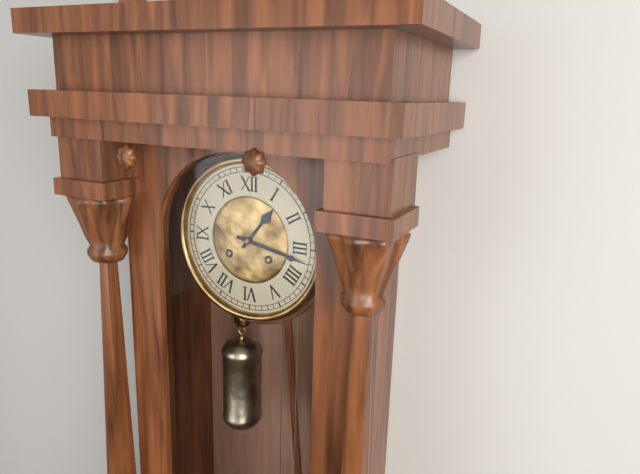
1,17
